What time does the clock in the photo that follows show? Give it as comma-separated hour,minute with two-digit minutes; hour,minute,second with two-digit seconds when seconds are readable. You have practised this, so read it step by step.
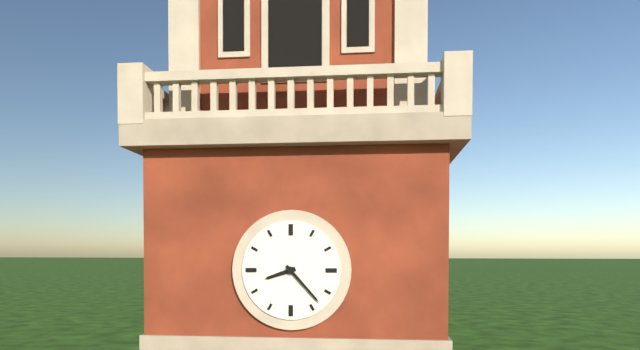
8,23
